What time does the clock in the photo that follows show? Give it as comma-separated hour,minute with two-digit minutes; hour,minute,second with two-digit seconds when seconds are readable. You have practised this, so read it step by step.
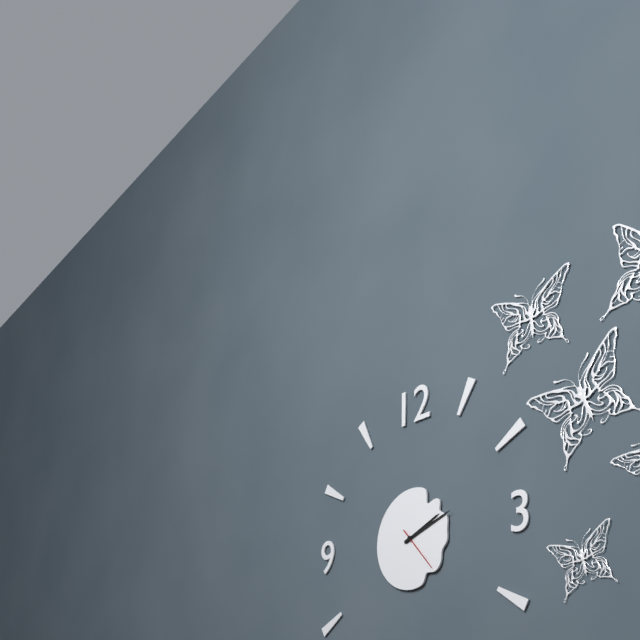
2,12
